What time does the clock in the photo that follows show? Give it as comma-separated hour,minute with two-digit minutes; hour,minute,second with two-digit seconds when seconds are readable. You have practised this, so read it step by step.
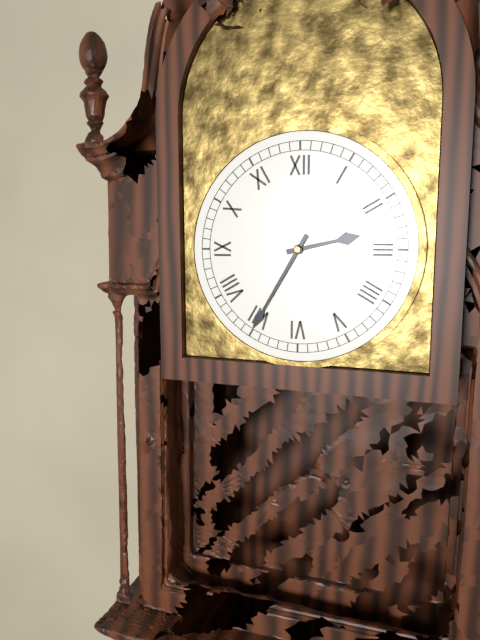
2,35
